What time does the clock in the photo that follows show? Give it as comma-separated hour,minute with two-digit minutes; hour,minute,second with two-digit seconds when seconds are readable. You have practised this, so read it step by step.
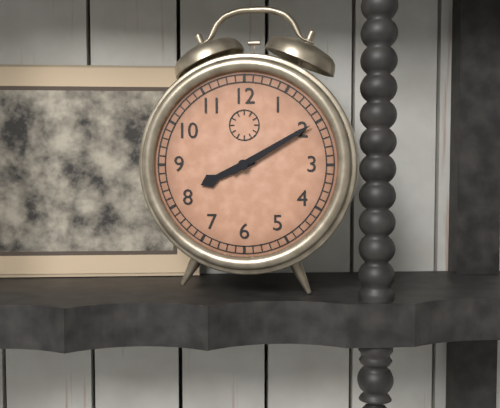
8,10
